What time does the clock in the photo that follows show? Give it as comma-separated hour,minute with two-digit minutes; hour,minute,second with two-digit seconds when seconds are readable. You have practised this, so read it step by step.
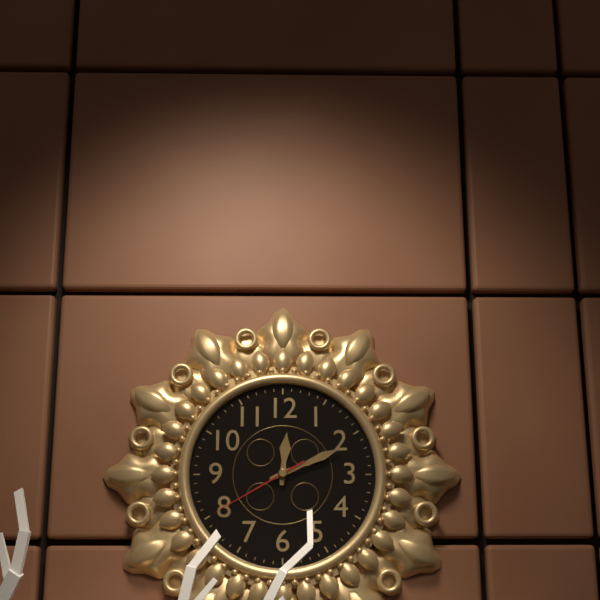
12,11,40
